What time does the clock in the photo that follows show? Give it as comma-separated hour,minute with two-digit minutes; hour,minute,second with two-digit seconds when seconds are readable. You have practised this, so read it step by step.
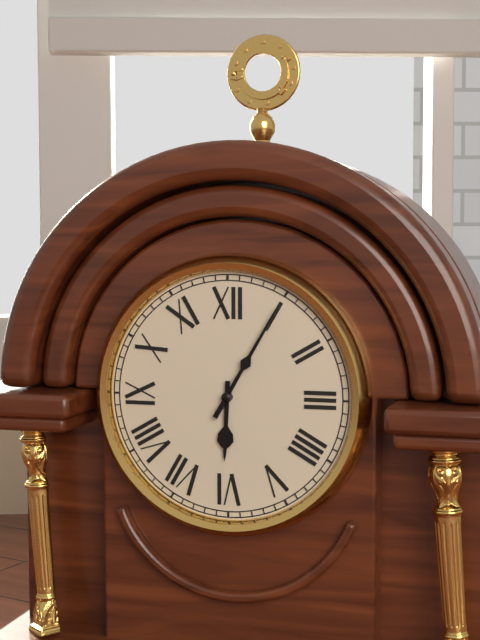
6,05
